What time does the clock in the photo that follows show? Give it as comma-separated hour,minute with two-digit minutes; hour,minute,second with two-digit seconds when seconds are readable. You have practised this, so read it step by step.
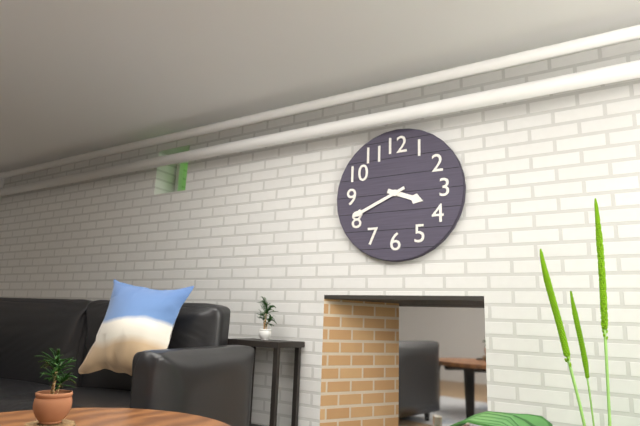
3,41
